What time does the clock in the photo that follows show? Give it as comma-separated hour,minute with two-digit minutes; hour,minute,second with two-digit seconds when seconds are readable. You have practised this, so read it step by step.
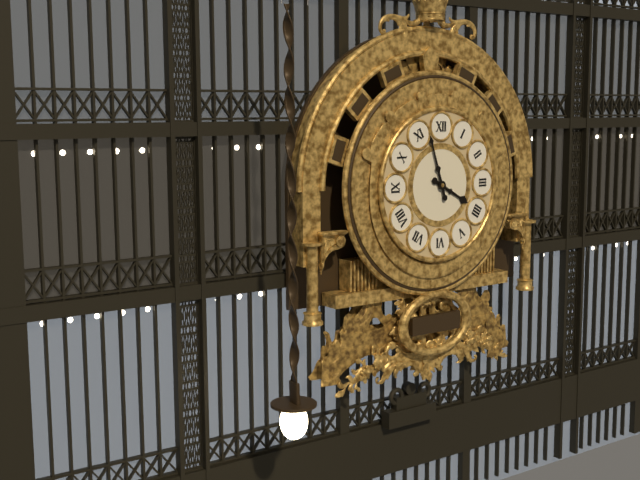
3,57
